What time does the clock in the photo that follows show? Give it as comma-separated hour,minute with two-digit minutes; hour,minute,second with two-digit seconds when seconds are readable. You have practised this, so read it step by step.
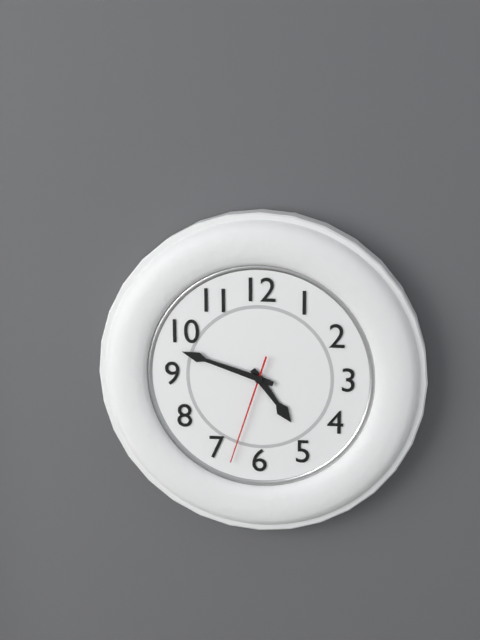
4,48,33
